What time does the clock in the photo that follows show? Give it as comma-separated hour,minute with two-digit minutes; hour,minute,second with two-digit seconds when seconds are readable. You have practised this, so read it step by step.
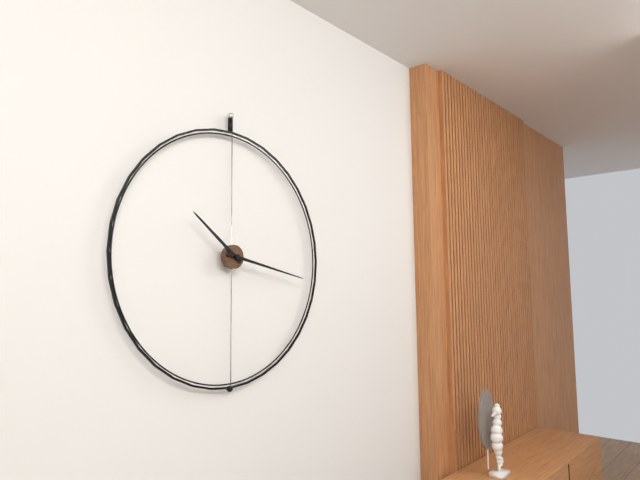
10,17
